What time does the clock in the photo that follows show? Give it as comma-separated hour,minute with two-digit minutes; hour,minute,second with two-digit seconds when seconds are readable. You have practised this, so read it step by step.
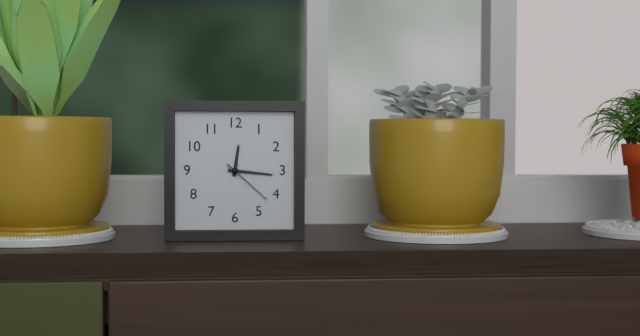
12,16,22
